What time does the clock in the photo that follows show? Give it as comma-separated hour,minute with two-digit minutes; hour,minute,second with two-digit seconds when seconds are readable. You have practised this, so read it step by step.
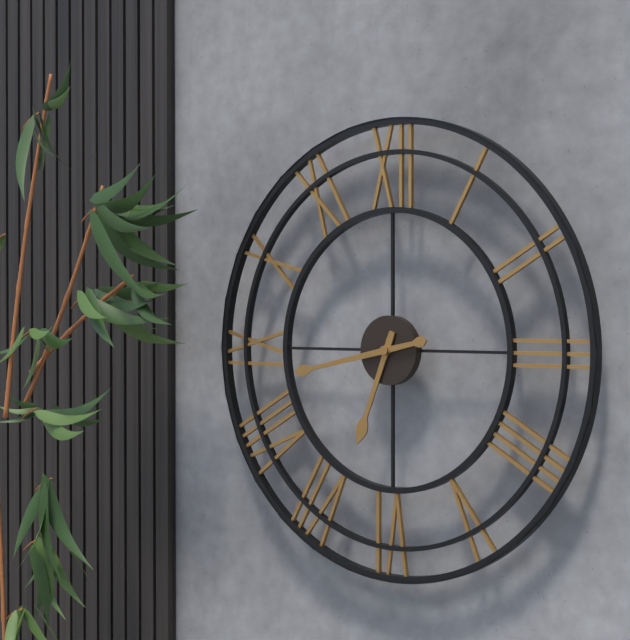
6,43
